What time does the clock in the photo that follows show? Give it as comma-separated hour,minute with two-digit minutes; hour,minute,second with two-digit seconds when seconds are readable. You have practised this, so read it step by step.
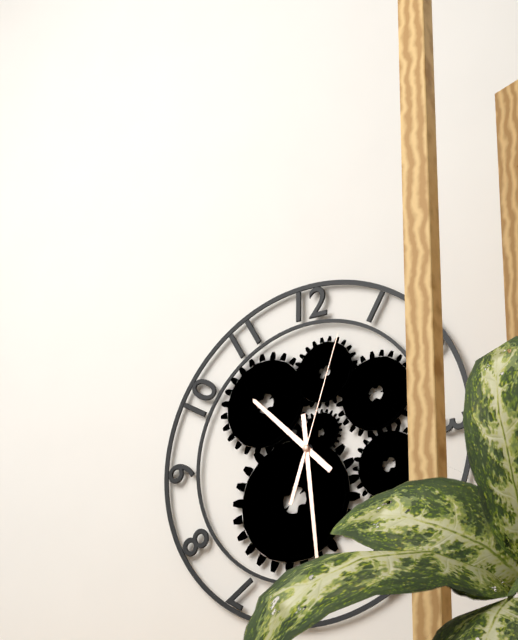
10,29,03
